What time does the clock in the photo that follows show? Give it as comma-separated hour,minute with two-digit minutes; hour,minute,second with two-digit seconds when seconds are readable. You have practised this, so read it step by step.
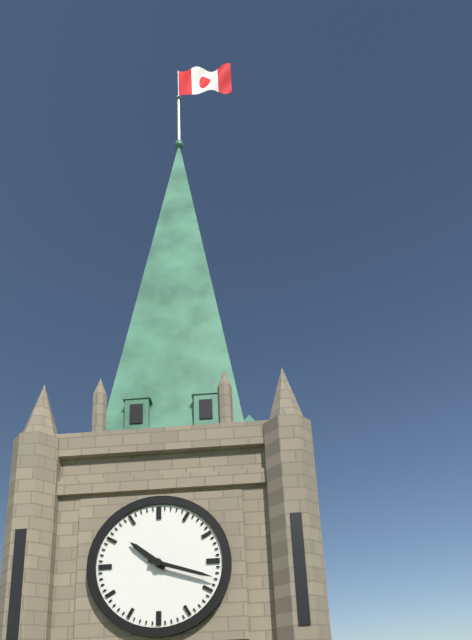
10,18
